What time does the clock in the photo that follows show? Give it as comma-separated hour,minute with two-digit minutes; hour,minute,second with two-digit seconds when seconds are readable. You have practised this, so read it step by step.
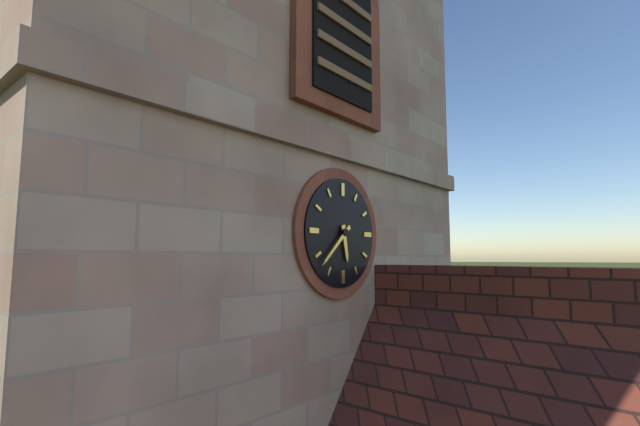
5,38
